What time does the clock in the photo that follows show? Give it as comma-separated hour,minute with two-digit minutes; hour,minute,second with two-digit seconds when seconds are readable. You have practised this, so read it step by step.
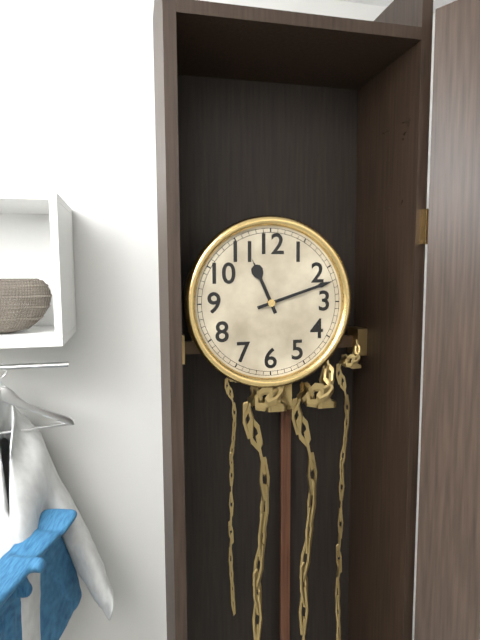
11,12
